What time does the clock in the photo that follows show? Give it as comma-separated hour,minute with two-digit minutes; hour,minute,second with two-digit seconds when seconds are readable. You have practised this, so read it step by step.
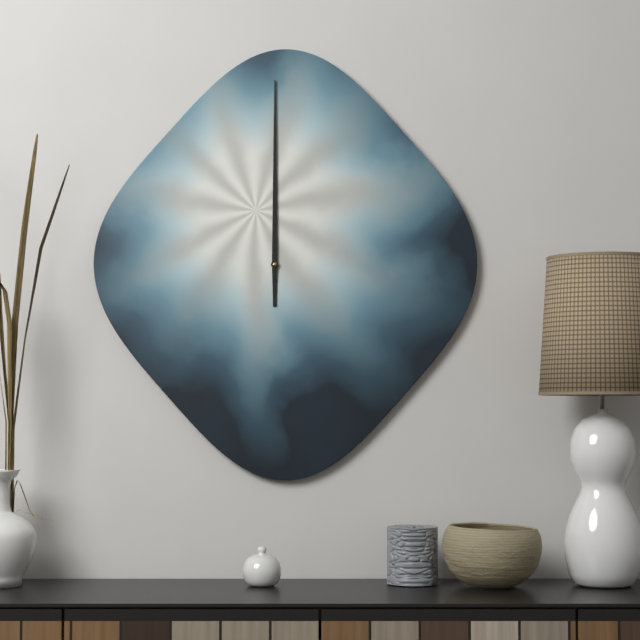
12,00
